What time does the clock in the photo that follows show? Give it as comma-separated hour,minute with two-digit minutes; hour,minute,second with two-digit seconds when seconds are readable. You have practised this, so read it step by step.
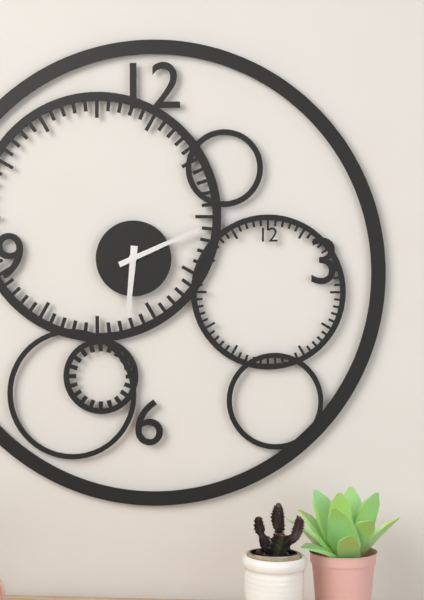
6,11
